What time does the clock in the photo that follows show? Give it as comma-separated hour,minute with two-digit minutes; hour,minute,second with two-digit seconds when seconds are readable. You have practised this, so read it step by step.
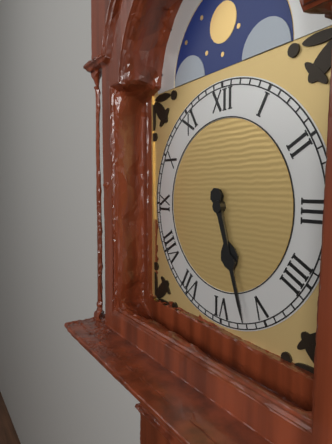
5,27
